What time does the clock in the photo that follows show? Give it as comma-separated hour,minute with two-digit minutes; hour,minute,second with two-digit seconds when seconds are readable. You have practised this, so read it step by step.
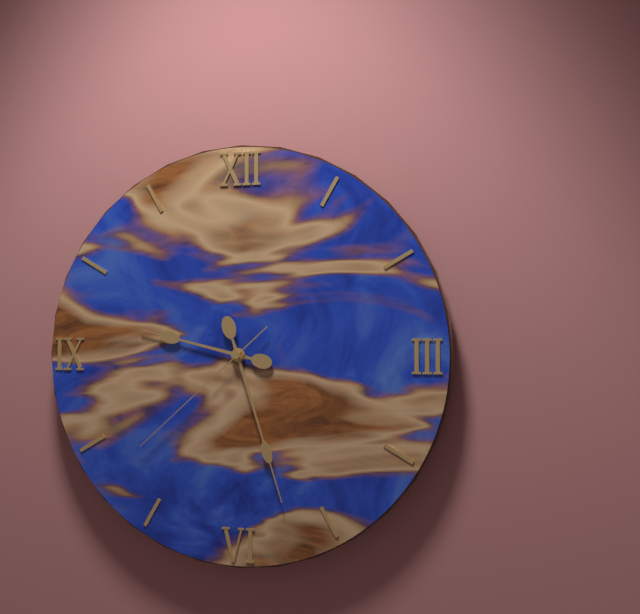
9,27,38
